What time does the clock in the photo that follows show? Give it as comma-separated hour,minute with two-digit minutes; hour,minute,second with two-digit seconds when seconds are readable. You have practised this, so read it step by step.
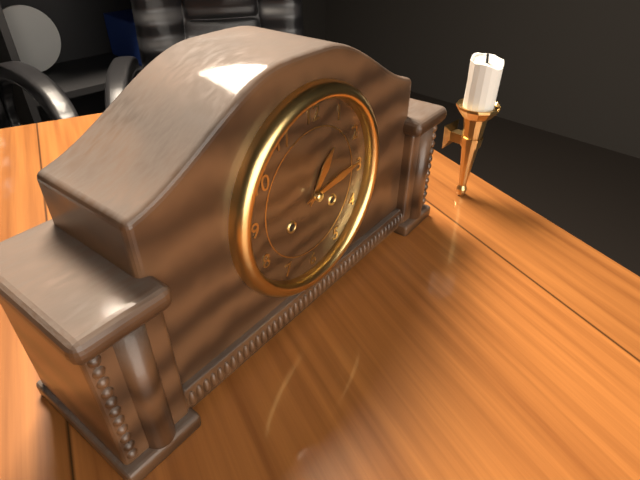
1,14
